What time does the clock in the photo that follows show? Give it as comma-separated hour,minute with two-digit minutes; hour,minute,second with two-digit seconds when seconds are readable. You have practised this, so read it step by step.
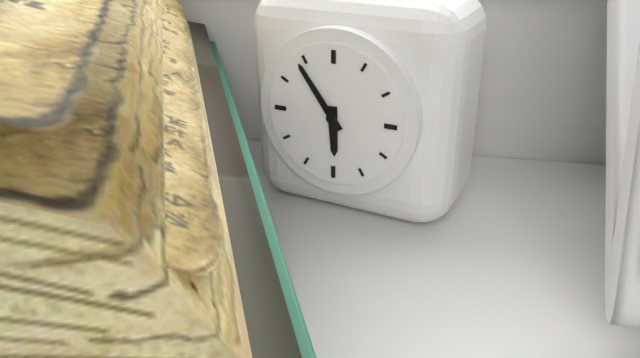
5,54
